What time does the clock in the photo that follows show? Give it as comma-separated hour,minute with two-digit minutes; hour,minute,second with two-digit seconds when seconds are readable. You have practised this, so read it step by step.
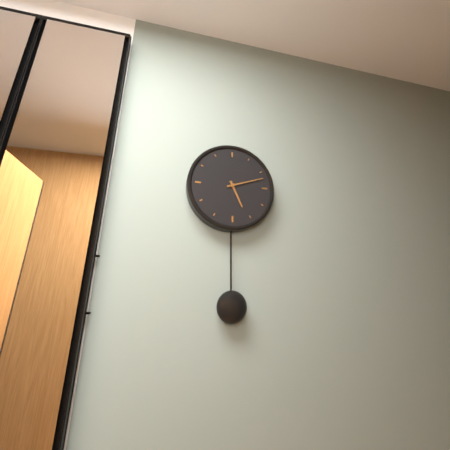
5,12
